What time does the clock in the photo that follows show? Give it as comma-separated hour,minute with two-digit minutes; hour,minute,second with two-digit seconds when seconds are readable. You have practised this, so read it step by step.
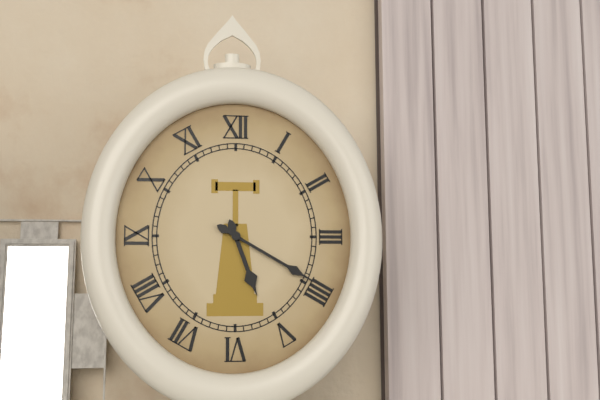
5,20
